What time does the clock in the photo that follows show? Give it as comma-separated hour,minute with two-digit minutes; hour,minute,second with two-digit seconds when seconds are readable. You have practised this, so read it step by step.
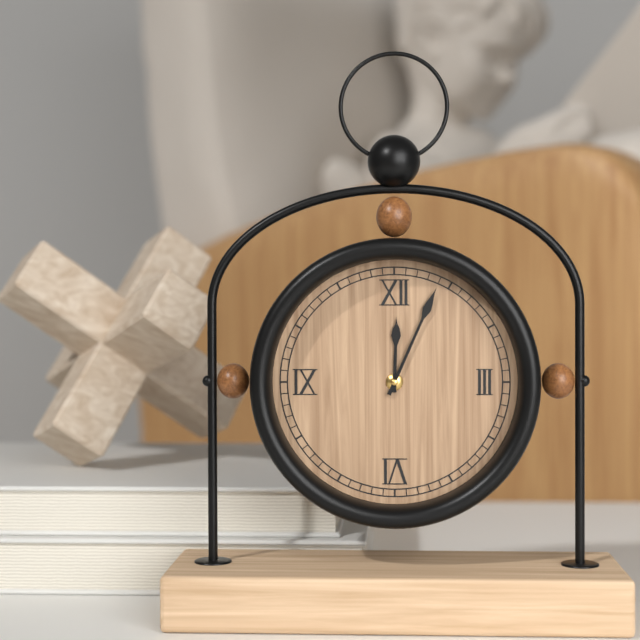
12,04
